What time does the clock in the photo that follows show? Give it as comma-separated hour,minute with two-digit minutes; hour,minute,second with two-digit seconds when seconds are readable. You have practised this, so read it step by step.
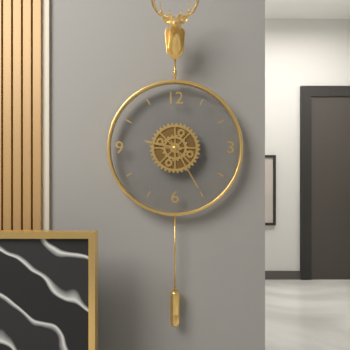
9,25
